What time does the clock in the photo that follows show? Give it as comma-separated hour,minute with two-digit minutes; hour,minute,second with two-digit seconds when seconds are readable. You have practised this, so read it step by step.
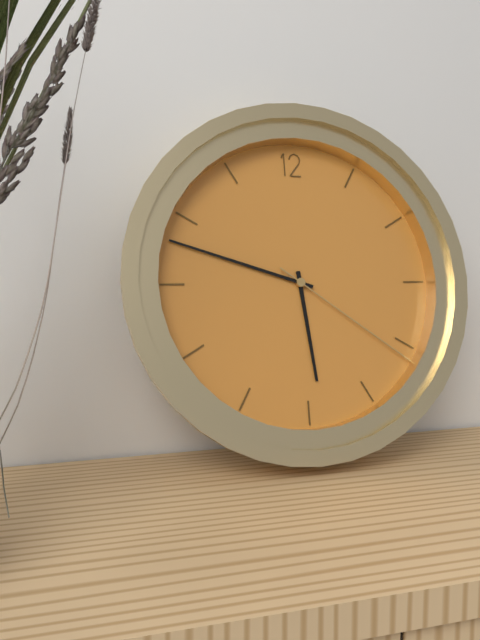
5,48,21
